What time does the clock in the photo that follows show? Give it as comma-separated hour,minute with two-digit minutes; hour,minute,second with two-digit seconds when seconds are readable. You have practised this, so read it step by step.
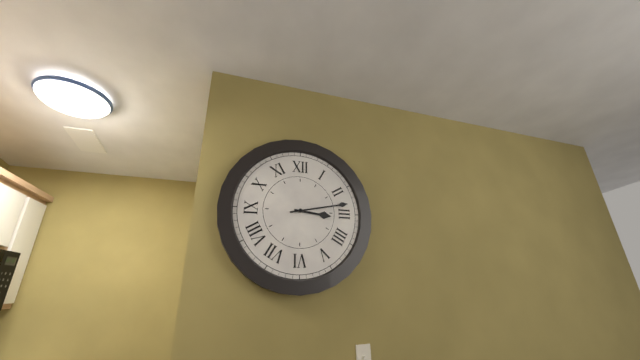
3,13
